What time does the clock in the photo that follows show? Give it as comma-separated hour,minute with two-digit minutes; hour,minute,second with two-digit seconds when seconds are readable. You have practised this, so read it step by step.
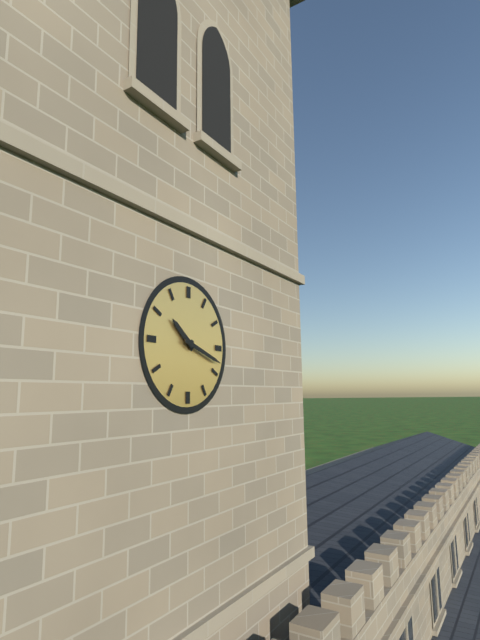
10,18
